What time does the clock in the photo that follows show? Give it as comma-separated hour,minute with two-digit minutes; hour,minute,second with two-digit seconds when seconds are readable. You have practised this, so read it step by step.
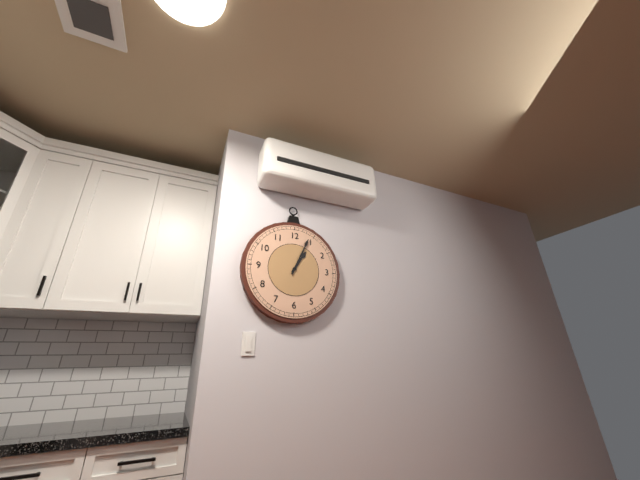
1,04
